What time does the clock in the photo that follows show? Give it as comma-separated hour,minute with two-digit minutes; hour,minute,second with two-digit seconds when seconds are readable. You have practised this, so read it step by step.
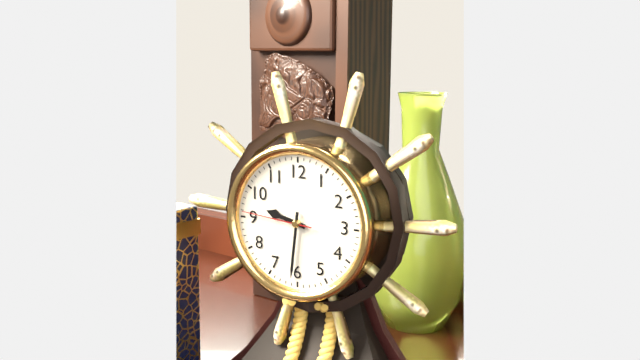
9,31,46
